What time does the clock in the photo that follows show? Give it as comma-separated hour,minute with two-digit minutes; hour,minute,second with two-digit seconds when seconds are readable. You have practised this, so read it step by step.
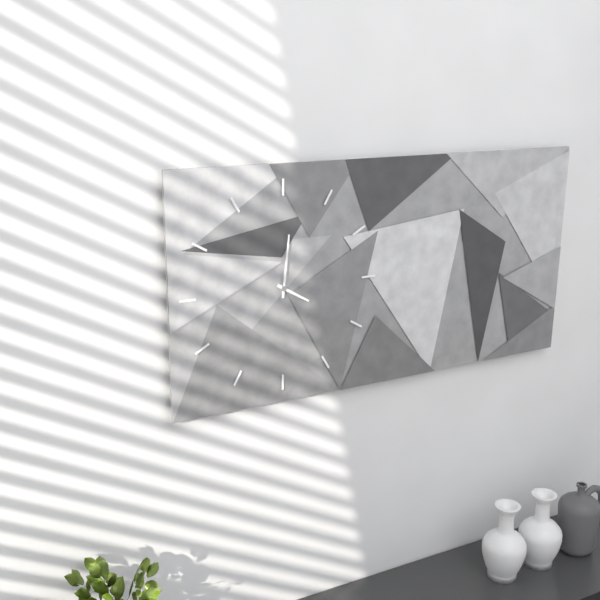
4,01
